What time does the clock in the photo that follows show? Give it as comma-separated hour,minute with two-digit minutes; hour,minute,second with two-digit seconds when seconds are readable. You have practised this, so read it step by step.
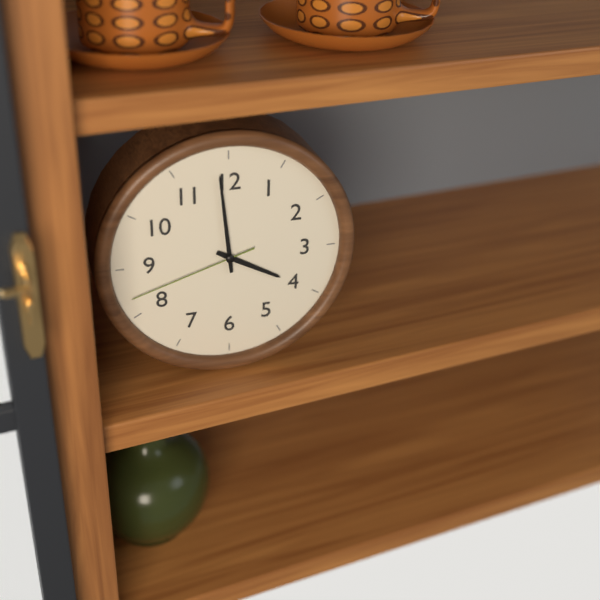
3,59,42
